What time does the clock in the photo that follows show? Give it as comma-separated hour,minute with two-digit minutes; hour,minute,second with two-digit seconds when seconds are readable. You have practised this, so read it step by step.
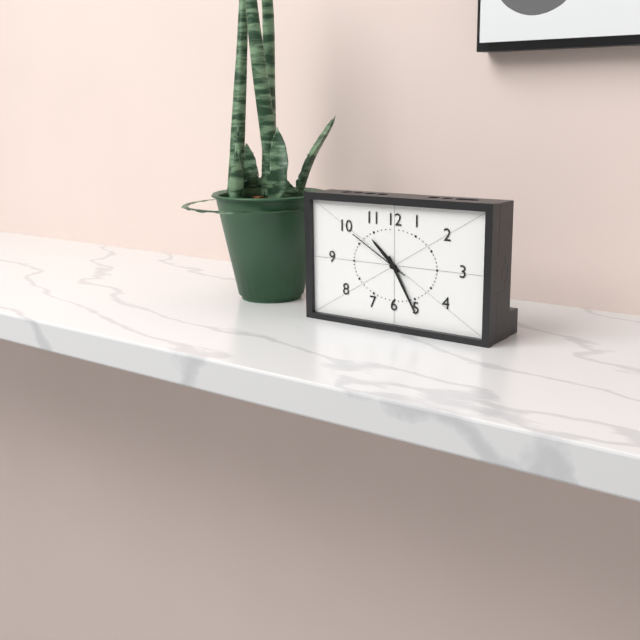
10,25,50
